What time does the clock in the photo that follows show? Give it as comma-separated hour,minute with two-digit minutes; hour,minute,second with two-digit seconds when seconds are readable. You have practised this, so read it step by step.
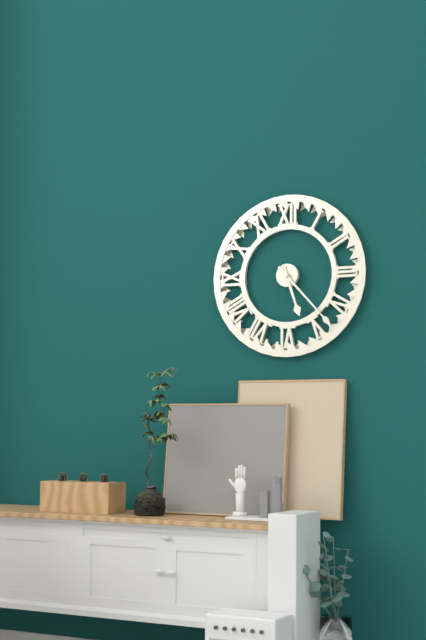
5,23
